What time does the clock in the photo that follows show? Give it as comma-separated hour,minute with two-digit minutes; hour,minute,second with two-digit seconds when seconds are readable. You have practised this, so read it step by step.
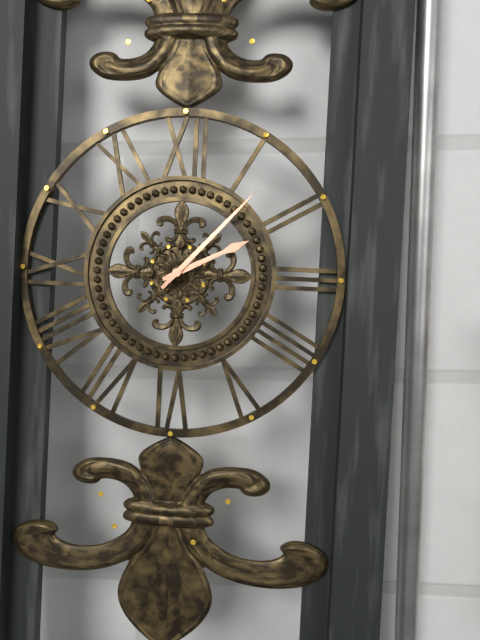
2,07
